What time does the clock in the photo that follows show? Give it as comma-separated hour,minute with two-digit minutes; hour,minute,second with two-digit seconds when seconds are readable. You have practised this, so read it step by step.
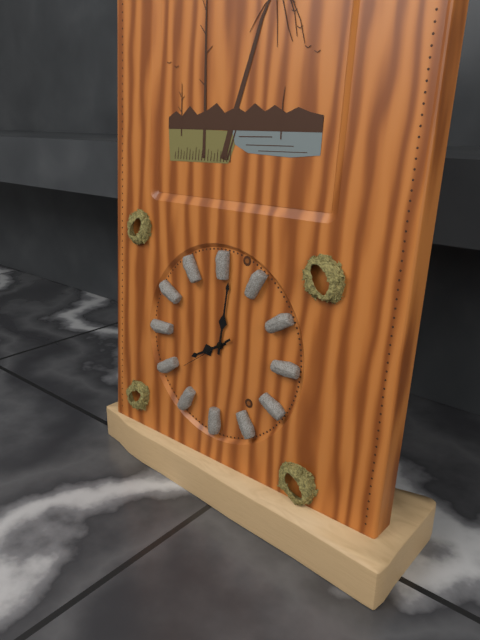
8,01,39
